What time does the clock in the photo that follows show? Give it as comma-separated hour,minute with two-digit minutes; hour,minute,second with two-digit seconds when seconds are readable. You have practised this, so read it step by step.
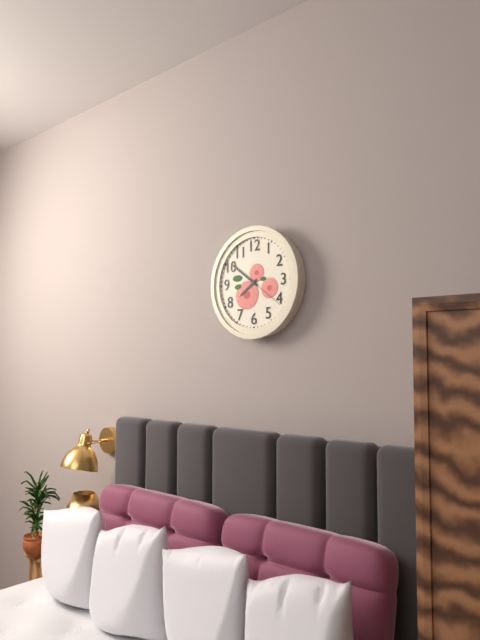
7,51
